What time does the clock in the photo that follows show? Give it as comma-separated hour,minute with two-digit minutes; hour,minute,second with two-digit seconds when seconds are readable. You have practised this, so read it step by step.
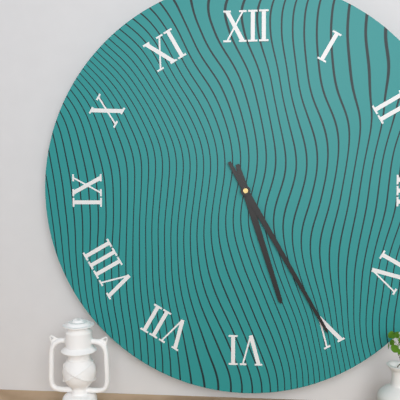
5,25
